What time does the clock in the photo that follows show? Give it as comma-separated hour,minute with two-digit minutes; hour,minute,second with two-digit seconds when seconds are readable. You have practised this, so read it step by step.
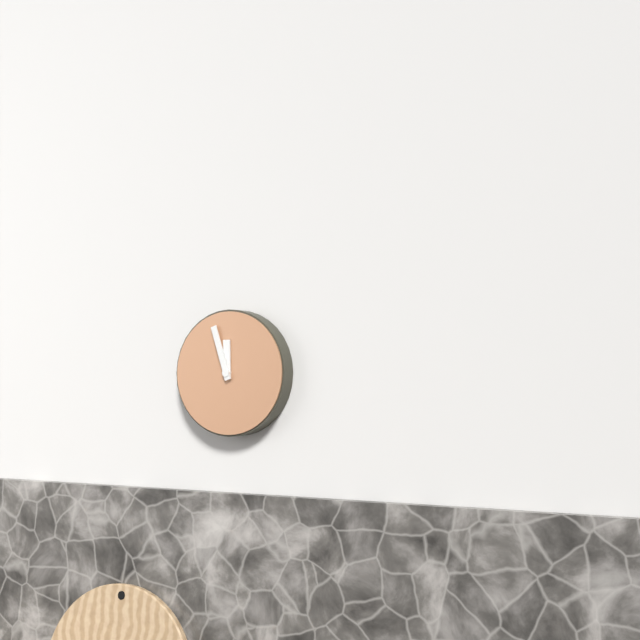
11,57
